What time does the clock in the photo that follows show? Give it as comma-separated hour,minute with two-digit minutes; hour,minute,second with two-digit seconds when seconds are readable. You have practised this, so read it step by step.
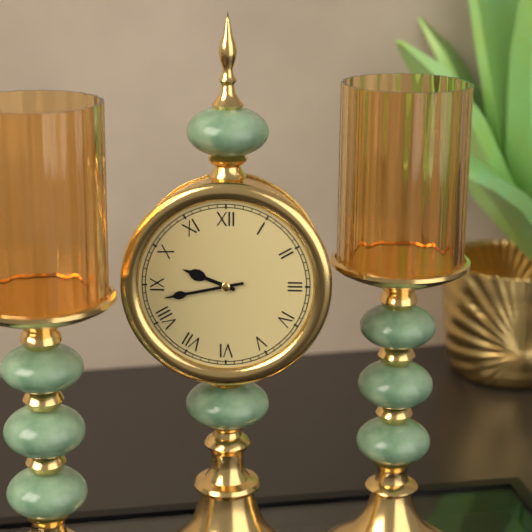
9,43
